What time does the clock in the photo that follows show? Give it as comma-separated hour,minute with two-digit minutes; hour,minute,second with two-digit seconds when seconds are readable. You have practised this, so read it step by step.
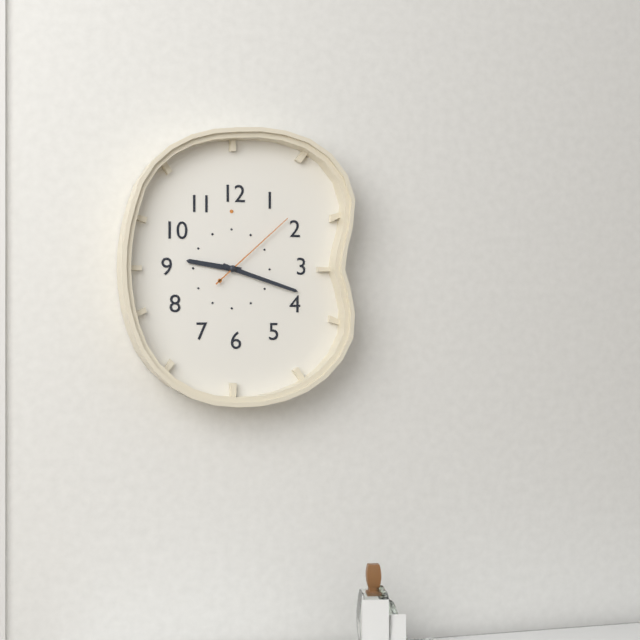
9,18,08
